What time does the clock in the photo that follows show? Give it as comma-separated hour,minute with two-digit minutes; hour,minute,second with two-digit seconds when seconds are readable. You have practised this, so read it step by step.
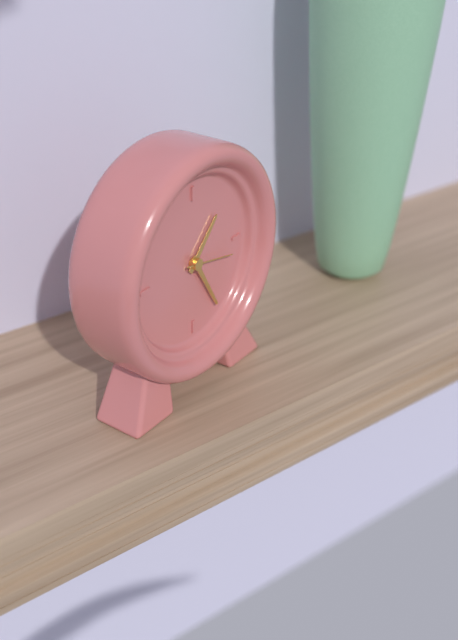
1,25
